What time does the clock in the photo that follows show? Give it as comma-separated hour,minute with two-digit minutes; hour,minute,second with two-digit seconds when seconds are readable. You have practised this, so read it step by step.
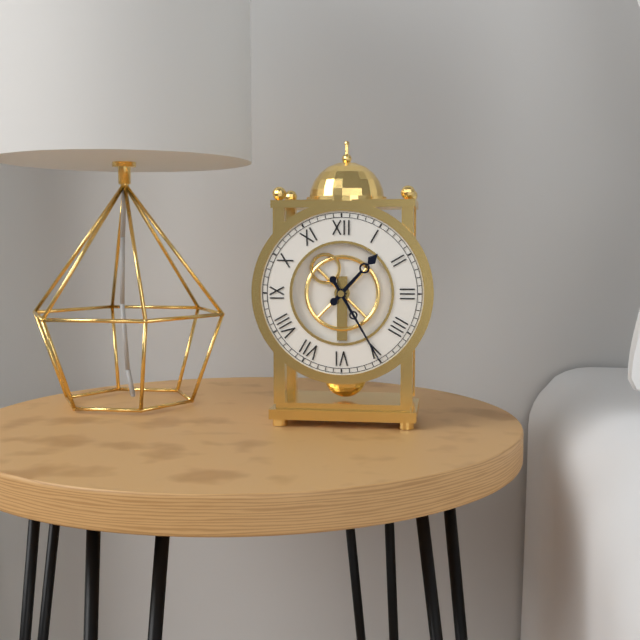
1,25
